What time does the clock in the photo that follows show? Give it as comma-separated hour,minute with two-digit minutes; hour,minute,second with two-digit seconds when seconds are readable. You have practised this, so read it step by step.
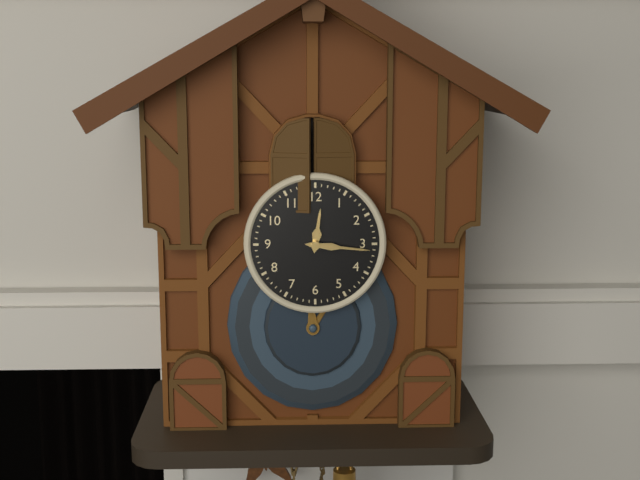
12,16
